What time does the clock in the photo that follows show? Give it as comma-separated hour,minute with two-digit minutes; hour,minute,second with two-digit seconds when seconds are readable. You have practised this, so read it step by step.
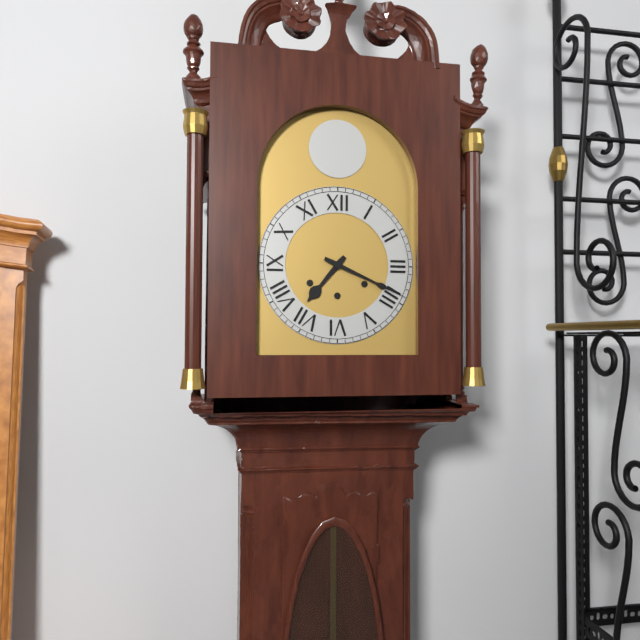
7,19
